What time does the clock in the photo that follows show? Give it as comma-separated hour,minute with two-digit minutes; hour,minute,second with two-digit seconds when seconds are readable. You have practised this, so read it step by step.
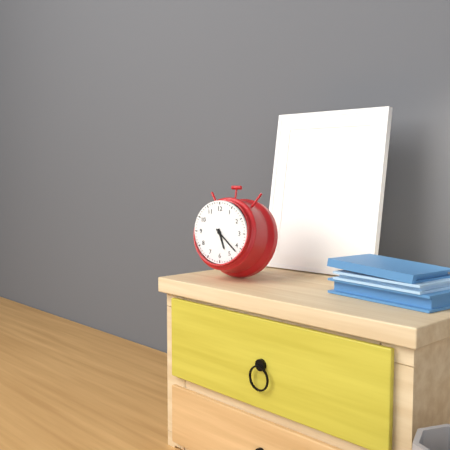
5,22
